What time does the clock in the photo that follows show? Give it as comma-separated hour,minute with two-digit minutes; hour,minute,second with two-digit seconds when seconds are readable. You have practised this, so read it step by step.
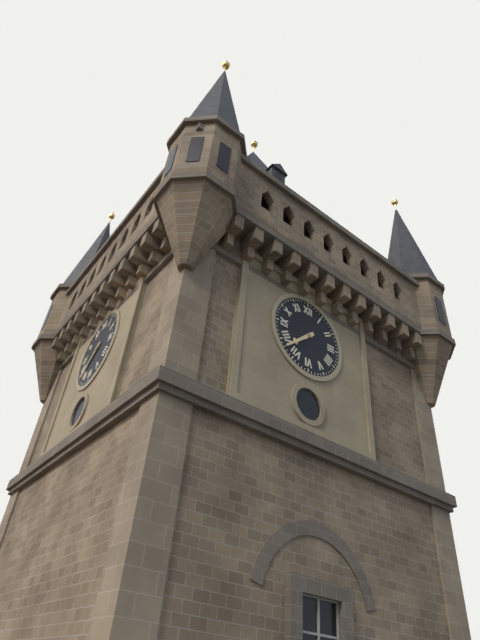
7,38
